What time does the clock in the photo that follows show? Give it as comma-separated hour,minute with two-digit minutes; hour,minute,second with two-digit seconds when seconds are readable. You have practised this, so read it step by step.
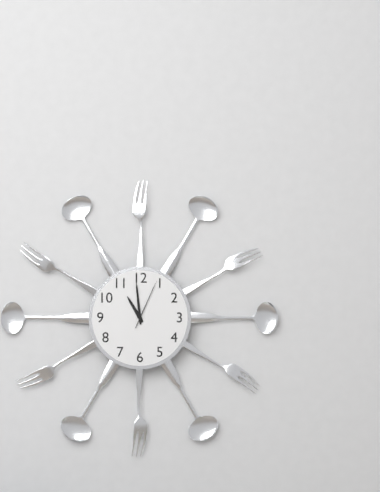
10,59,04
